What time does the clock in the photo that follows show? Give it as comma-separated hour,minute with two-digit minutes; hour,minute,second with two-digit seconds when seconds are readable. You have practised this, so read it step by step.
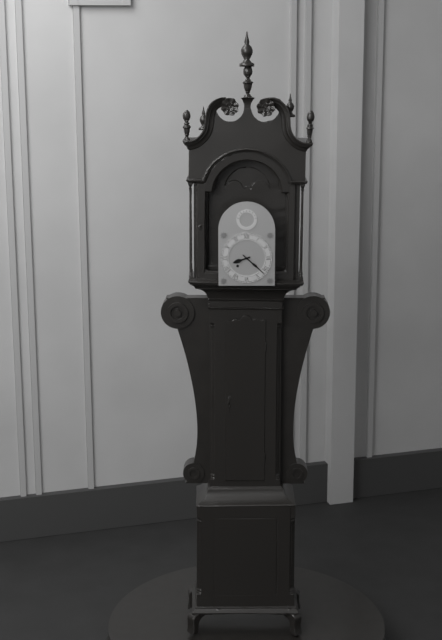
8,22
